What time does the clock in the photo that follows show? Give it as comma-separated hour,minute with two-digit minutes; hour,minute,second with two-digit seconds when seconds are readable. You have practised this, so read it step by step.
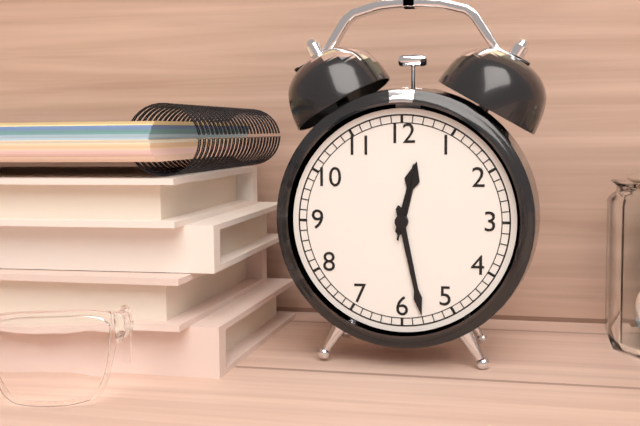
12,28,02
